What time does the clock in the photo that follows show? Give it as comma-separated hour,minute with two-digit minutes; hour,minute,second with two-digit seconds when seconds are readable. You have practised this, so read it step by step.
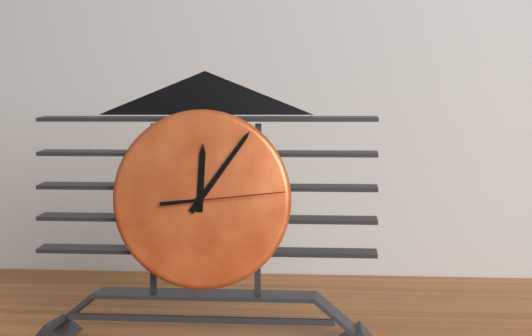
12,06,14
